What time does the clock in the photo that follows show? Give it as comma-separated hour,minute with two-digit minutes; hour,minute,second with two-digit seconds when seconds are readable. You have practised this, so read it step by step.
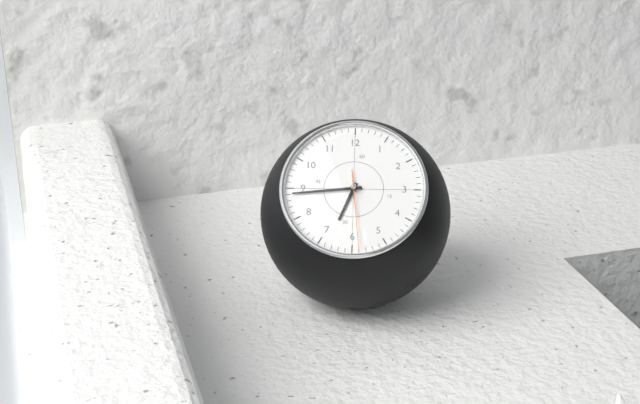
6,44
